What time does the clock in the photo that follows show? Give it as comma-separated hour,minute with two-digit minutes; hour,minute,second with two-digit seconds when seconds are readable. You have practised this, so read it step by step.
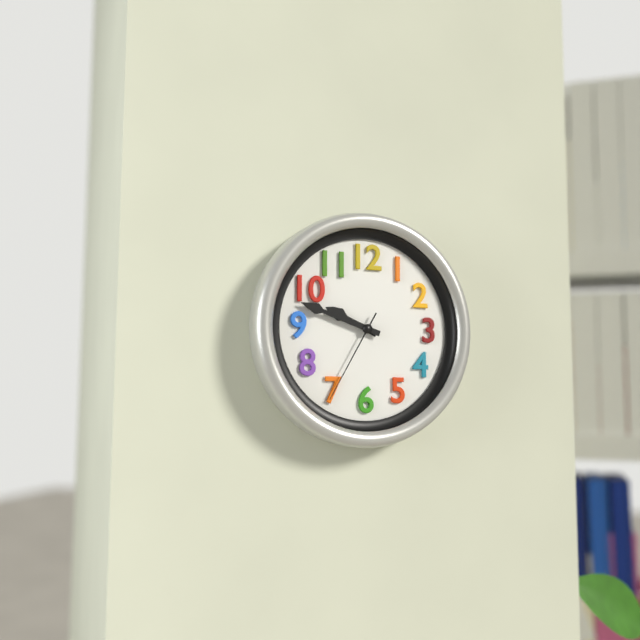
9,48,35
